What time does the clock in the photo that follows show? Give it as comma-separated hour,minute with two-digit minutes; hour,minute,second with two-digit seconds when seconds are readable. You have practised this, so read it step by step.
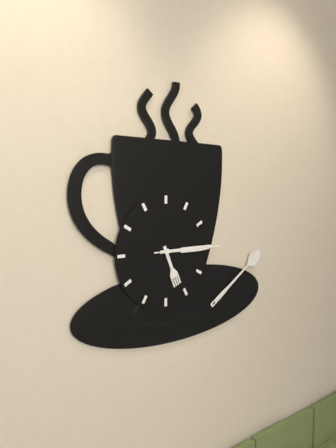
5,15,15
